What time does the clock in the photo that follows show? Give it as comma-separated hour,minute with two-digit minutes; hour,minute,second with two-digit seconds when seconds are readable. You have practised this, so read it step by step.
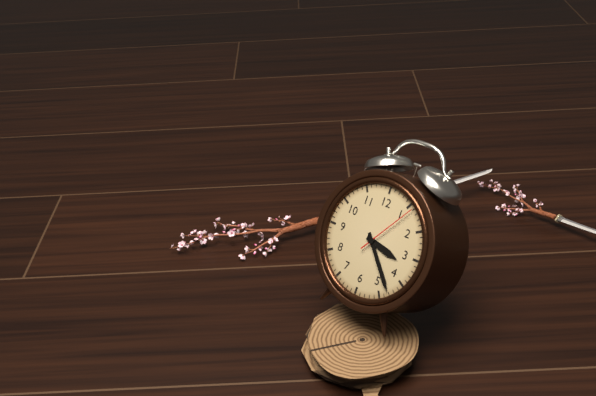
3,23,06
